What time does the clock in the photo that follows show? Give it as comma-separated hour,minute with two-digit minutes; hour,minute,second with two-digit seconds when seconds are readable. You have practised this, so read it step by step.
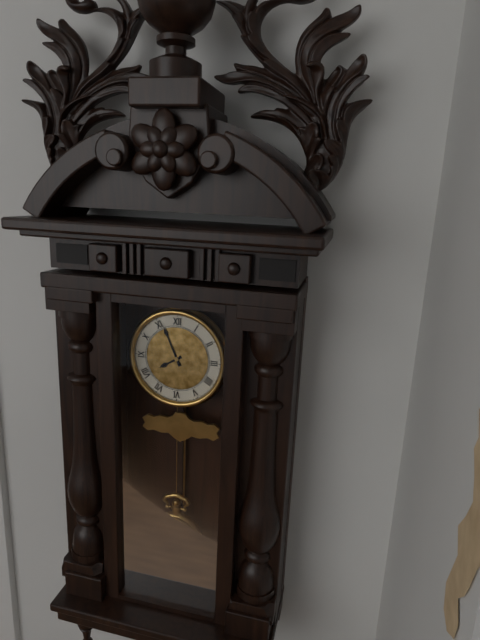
7,56
